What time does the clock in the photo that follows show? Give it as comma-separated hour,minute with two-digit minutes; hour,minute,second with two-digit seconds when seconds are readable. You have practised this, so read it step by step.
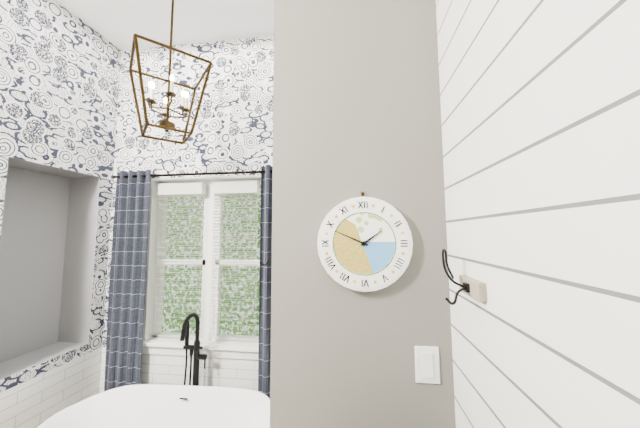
1,49
